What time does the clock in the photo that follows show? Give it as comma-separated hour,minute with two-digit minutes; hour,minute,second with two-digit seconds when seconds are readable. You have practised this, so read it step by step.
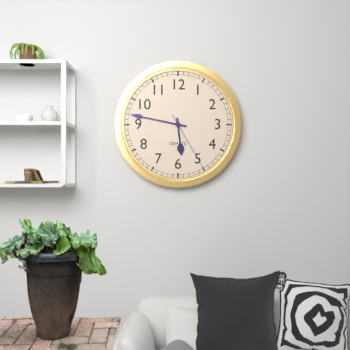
5,47,25
